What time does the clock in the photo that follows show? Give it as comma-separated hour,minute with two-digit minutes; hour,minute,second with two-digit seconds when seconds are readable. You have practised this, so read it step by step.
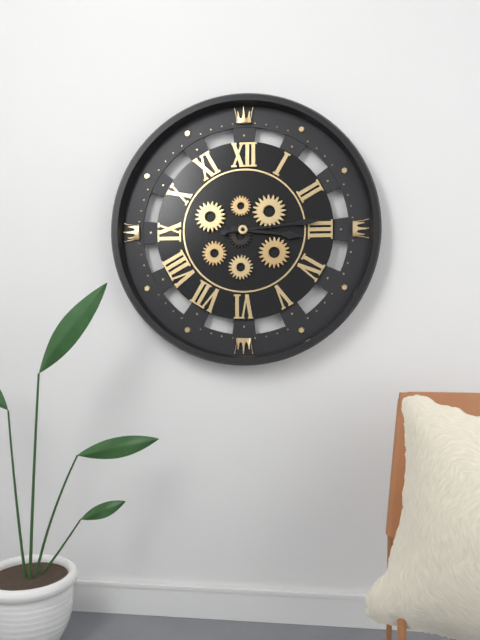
3,14
